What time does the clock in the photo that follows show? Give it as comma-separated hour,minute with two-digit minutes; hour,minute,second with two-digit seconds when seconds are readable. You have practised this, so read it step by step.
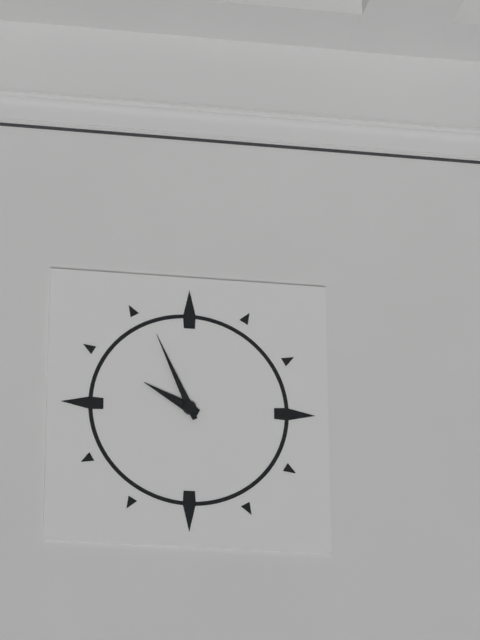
9,56
